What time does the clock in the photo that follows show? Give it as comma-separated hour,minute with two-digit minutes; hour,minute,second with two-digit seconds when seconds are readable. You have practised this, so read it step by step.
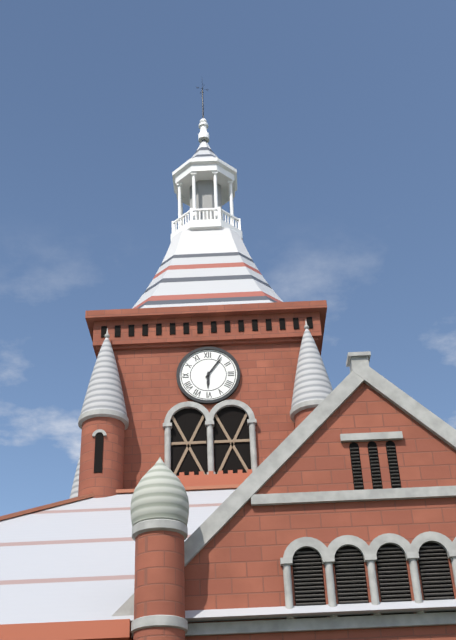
6,06
